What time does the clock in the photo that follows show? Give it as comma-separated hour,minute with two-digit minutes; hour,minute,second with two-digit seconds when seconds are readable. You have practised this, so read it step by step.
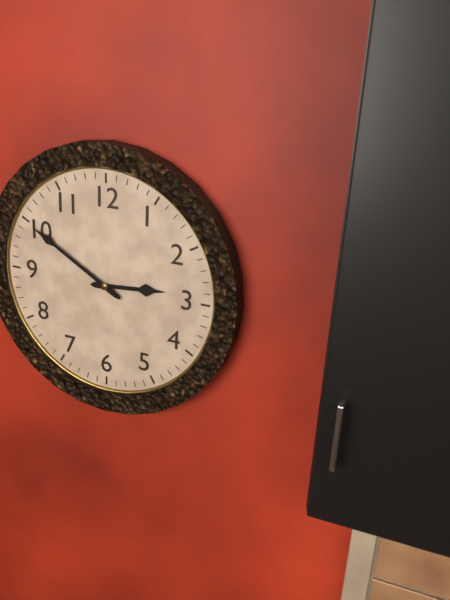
2,50
